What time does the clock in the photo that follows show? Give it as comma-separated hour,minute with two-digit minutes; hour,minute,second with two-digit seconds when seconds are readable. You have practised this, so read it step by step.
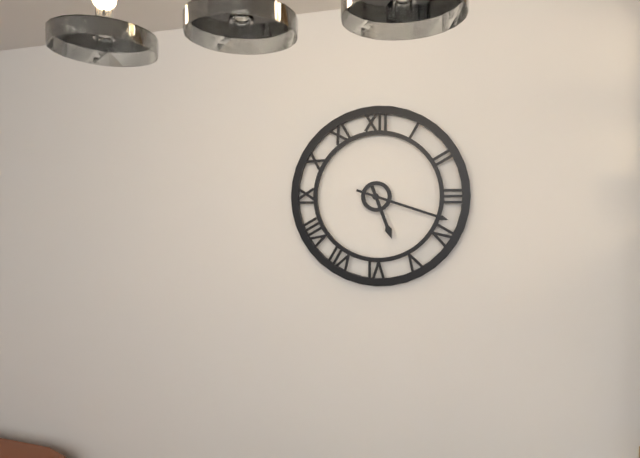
5,18
